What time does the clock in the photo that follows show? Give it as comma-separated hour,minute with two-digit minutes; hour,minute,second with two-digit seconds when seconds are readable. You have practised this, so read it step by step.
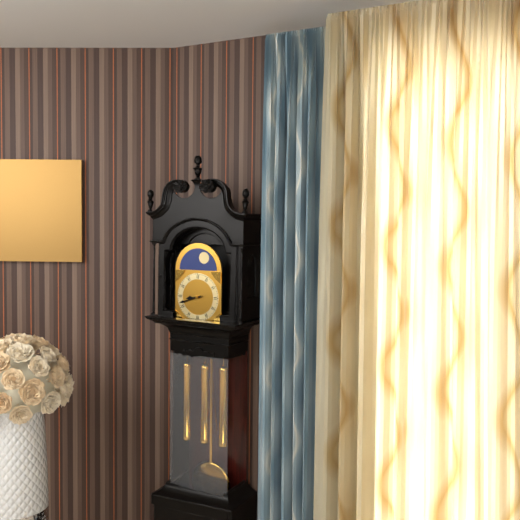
8,42
